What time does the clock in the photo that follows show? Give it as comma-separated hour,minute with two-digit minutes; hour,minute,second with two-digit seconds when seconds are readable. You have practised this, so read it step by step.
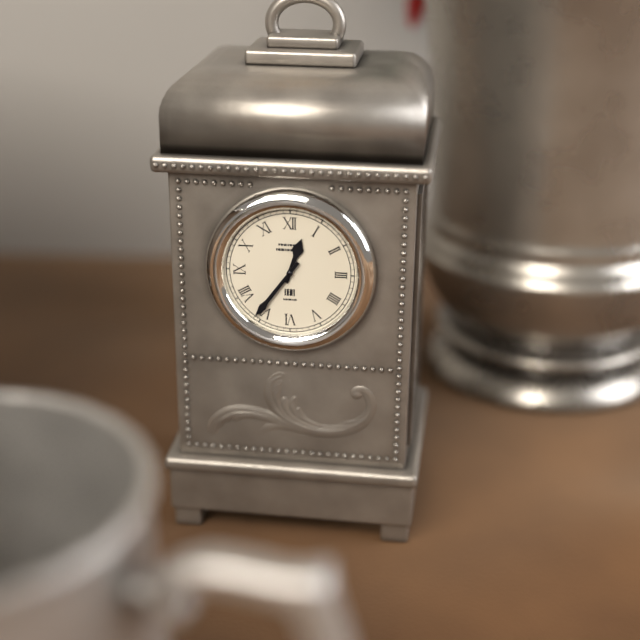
12,36
